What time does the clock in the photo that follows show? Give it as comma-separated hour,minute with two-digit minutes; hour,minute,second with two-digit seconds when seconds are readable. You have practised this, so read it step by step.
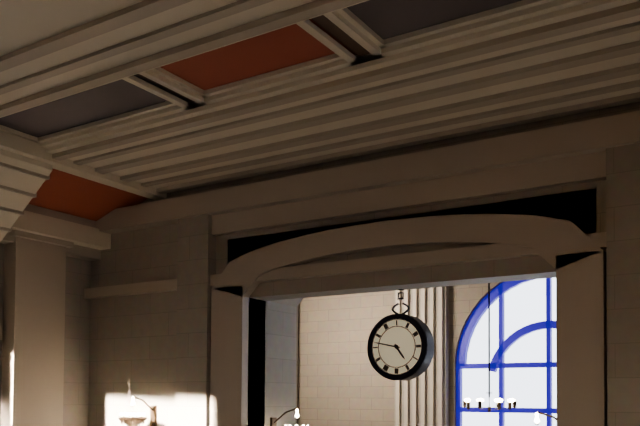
4,47
